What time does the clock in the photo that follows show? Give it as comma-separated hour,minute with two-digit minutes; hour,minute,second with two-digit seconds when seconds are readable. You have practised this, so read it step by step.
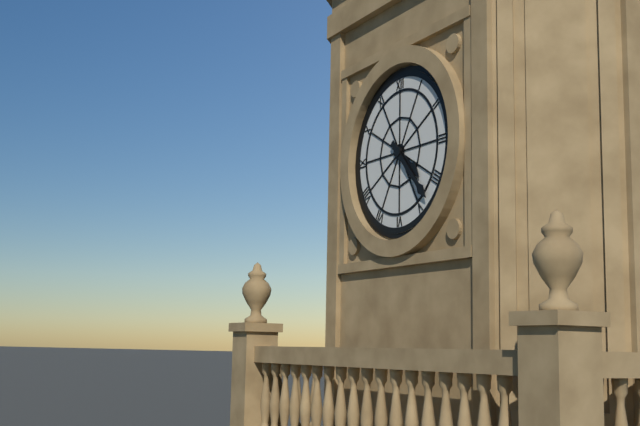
4,23
